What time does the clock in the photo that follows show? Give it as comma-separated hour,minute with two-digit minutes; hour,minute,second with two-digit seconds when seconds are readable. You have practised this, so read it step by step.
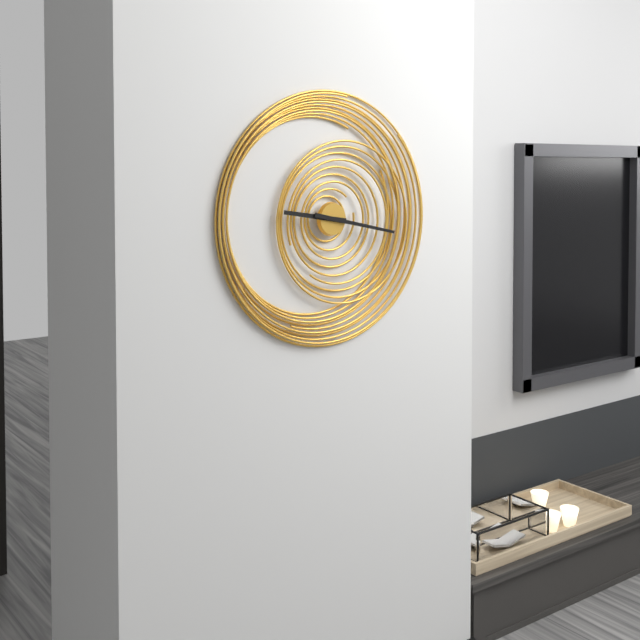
9,17
